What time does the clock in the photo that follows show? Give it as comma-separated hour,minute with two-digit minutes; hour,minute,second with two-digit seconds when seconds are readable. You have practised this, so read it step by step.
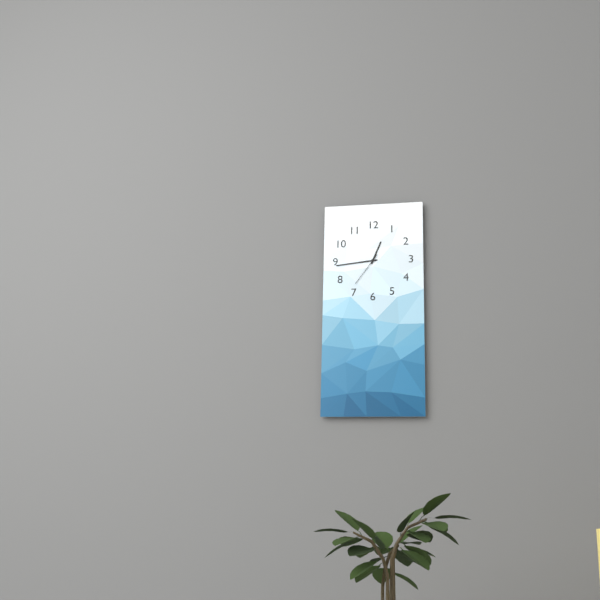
12,44
